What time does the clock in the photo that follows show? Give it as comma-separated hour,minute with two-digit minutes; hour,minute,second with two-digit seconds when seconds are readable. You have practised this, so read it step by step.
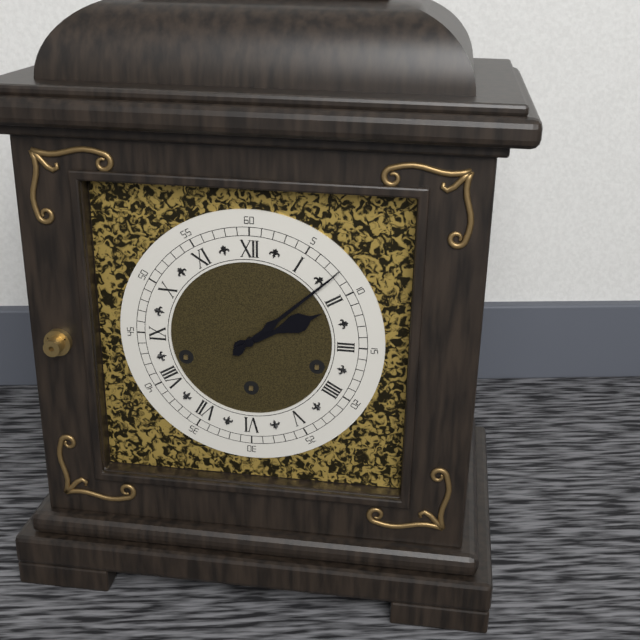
2,08
